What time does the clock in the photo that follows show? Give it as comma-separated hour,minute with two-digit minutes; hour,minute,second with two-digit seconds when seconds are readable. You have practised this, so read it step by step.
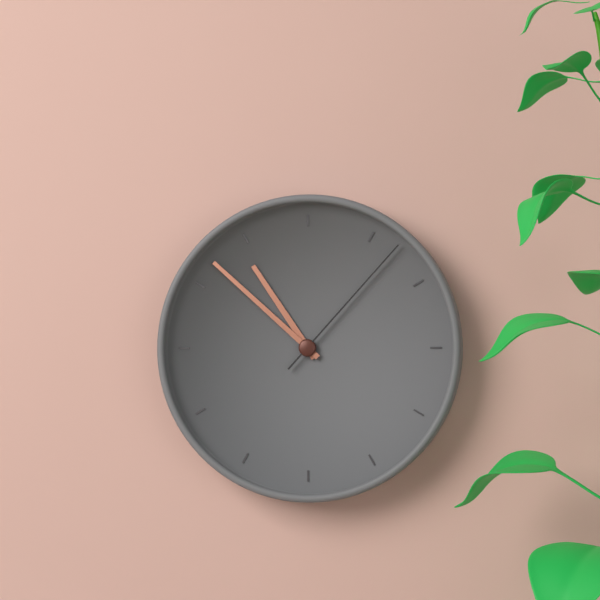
10,52,07
